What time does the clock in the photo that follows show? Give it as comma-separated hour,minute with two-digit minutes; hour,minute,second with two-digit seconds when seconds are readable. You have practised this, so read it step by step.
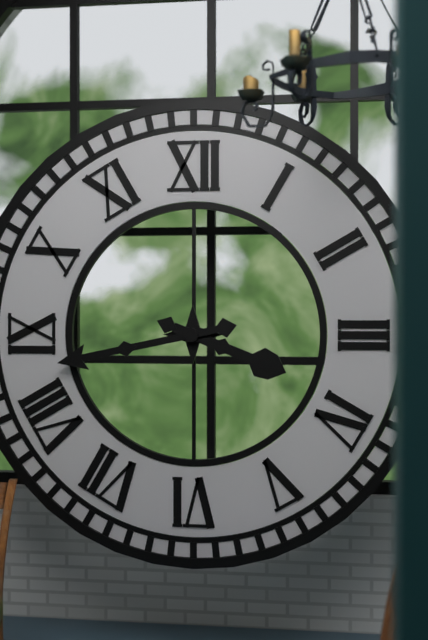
3,43
